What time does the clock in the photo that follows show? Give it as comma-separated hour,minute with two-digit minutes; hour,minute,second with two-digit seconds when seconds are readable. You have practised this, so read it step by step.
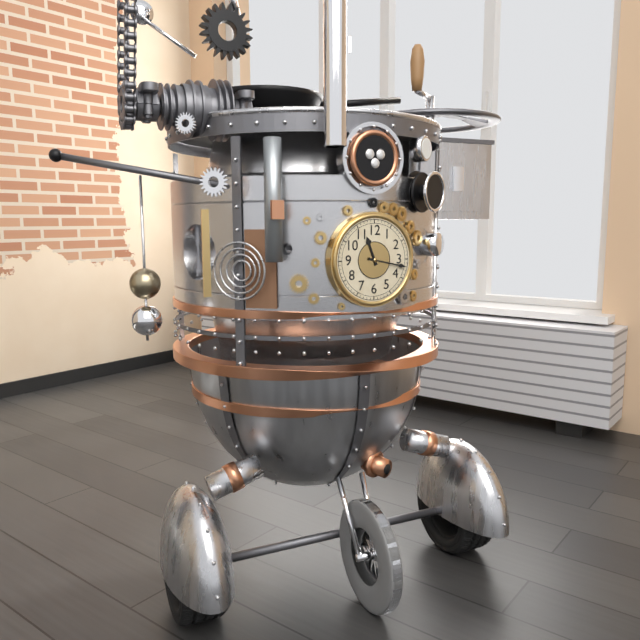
11,17
